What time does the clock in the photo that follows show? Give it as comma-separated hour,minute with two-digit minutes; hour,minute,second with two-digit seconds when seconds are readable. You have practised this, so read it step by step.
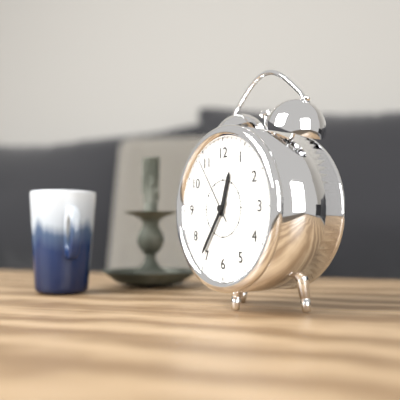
12,36,54
